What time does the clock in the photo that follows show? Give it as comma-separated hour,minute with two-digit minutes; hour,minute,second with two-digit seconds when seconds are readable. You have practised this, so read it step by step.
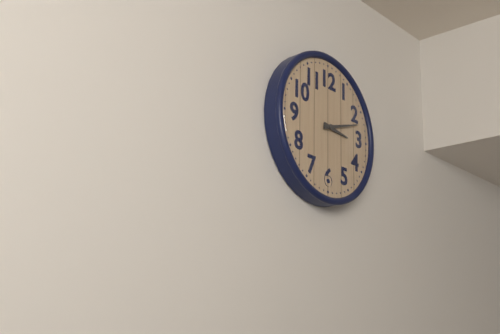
3,12
